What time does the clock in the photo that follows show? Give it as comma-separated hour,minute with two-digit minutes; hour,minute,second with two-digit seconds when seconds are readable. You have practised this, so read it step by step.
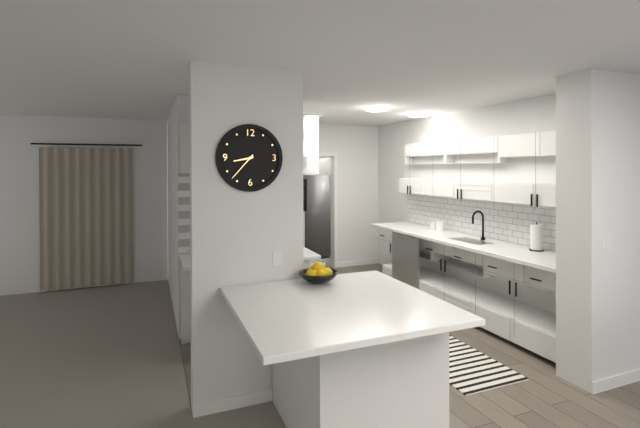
8,37
